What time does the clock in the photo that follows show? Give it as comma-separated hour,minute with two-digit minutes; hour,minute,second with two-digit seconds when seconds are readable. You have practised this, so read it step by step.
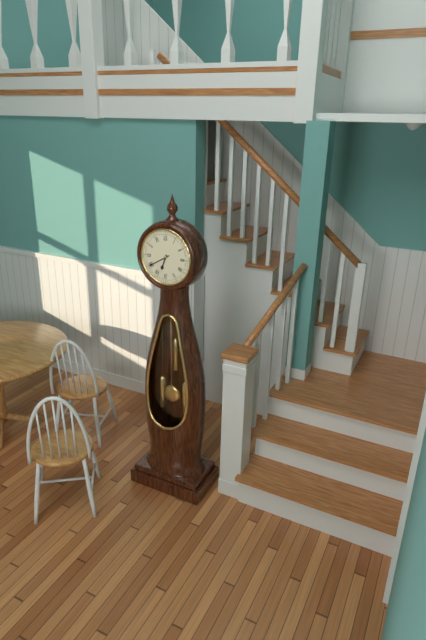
6,40
